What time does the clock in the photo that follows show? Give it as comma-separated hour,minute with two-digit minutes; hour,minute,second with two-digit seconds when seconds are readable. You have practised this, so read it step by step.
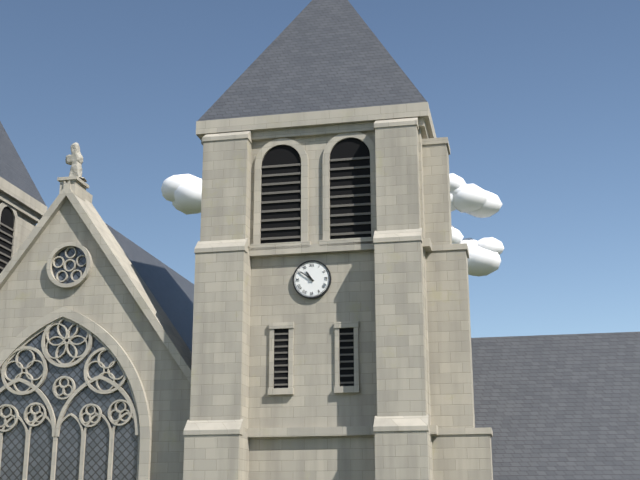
10,51
